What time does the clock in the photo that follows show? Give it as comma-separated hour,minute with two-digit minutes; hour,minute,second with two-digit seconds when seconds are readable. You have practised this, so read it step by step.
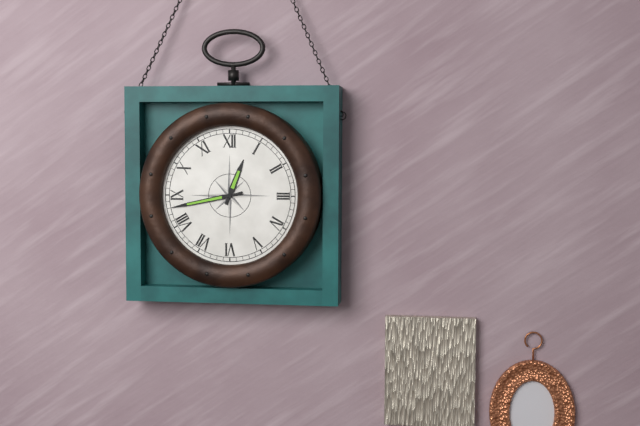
12,43
